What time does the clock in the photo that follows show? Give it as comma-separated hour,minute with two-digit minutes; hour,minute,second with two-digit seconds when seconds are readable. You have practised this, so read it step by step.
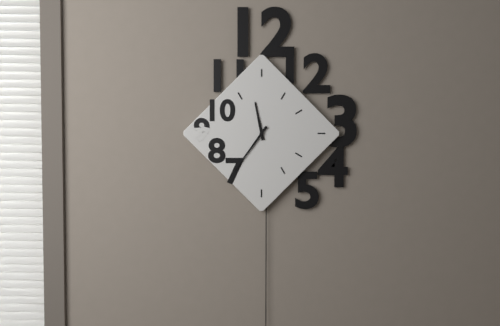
11,36
